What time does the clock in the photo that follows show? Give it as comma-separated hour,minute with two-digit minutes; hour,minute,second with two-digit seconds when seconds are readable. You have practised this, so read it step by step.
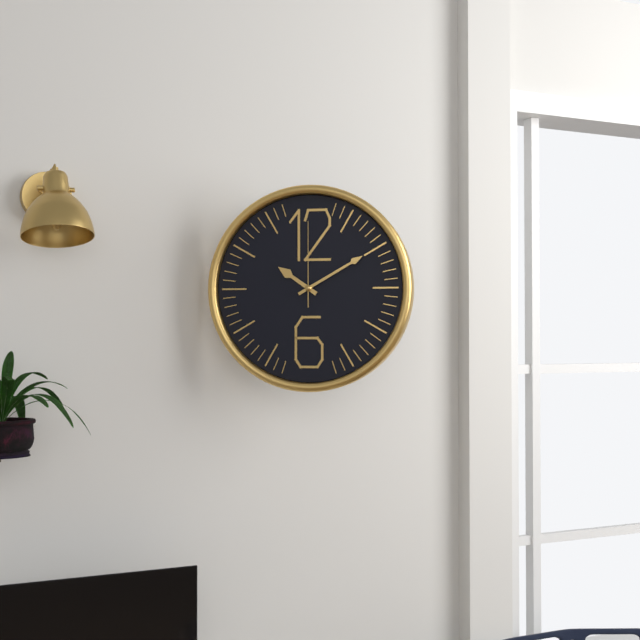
10,10,00
